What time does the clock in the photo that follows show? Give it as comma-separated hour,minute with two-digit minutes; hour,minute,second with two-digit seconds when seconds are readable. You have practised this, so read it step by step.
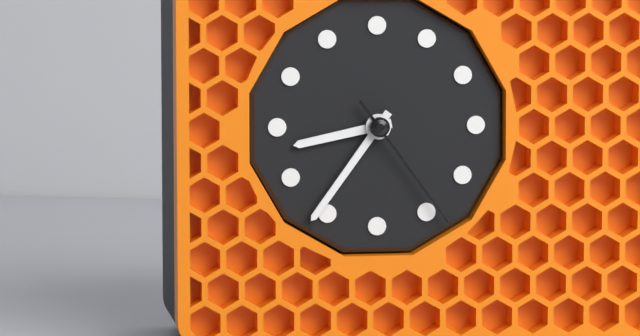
8,36,24
